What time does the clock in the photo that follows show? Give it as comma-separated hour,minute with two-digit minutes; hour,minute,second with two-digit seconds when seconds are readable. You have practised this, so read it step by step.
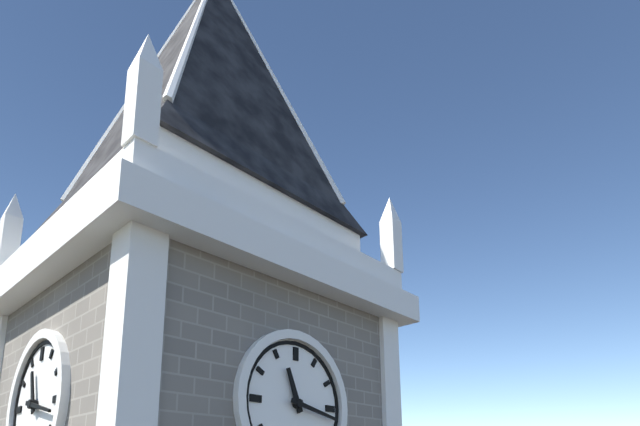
11,17
